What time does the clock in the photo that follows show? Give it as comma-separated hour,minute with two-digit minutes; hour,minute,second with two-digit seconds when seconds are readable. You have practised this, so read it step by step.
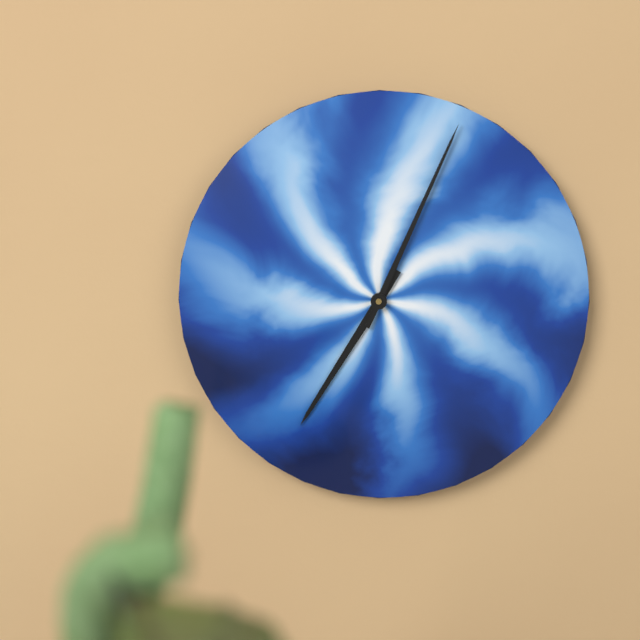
7,04
